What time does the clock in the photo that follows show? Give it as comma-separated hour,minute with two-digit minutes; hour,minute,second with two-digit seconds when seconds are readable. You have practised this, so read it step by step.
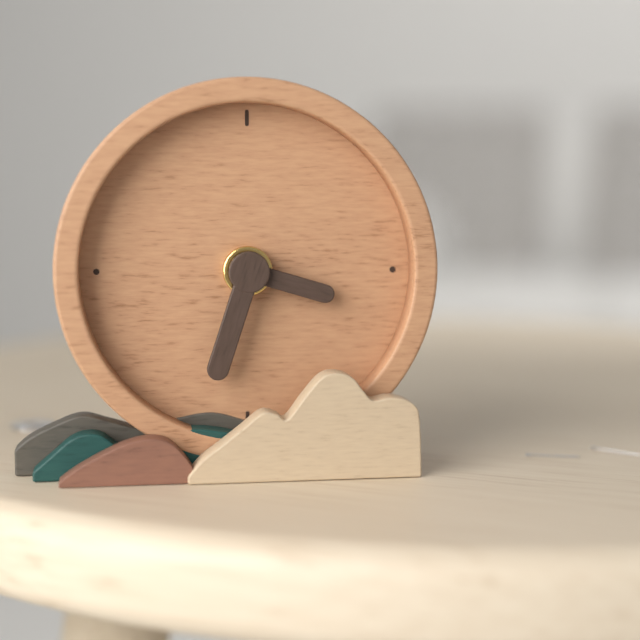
3,33
